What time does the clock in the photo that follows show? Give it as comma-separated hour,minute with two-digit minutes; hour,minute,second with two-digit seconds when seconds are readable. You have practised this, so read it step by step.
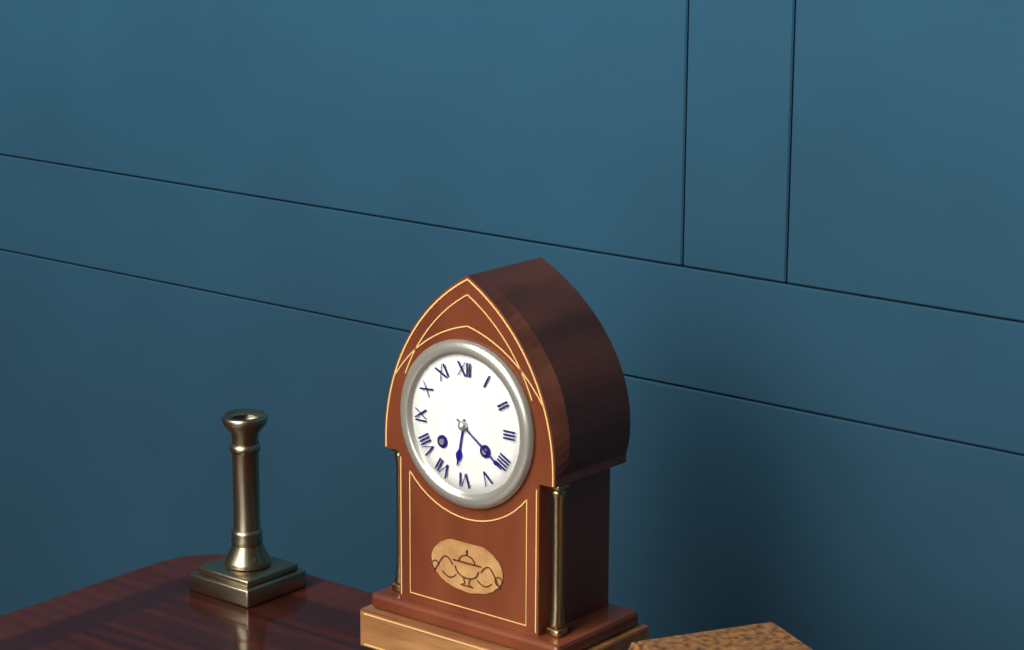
6,21
